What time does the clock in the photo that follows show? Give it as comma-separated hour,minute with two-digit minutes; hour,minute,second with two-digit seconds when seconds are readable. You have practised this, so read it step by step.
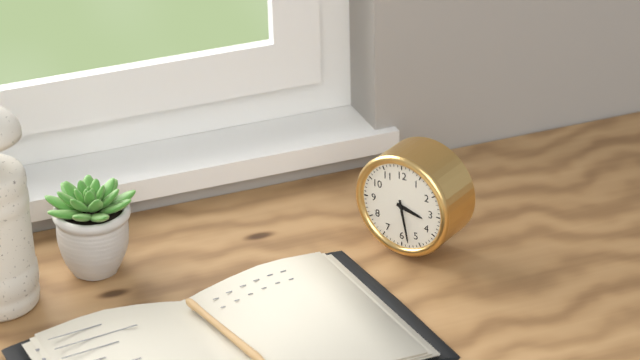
3,28
